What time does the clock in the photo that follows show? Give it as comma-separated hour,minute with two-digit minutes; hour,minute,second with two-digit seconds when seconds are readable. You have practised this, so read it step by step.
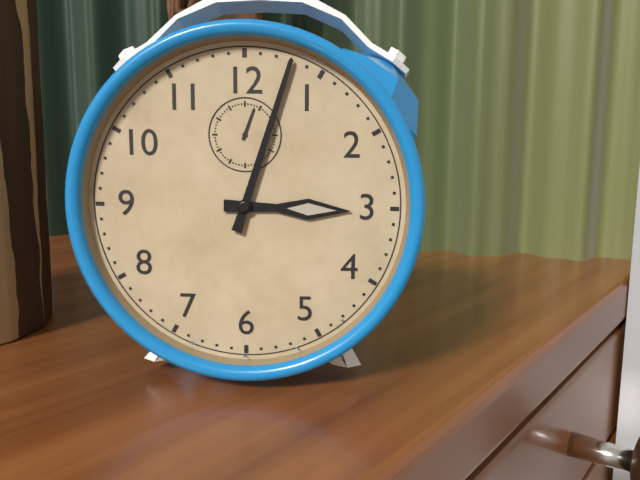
3,03
